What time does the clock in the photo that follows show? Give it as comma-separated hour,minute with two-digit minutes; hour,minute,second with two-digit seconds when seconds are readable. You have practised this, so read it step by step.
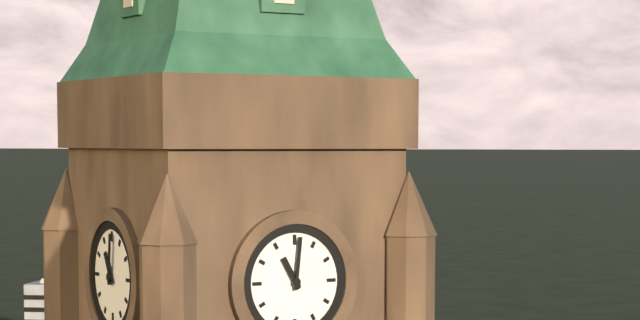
11,01
